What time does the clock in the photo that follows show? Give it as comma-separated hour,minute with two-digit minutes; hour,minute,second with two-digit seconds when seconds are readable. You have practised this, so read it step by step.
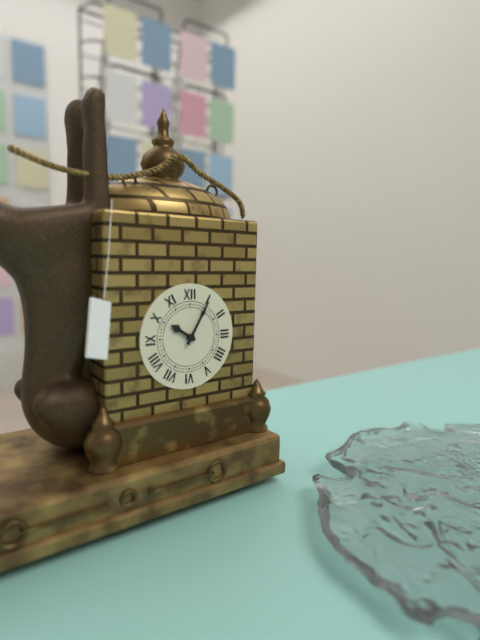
10,05
